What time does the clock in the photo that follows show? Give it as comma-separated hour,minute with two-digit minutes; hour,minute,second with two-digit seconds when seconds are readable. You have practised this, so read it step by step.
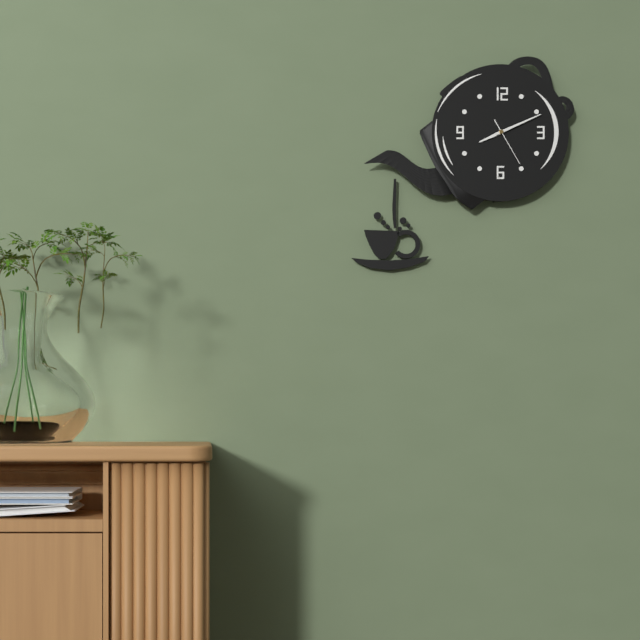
8,11
